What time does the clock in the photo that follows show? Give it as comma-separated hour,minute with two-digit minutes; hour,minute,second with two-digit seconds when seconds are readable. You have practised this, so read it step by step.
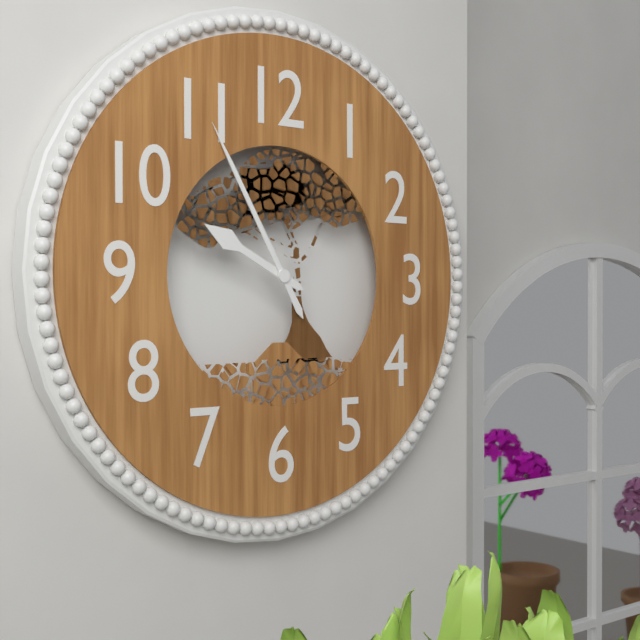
9,55
